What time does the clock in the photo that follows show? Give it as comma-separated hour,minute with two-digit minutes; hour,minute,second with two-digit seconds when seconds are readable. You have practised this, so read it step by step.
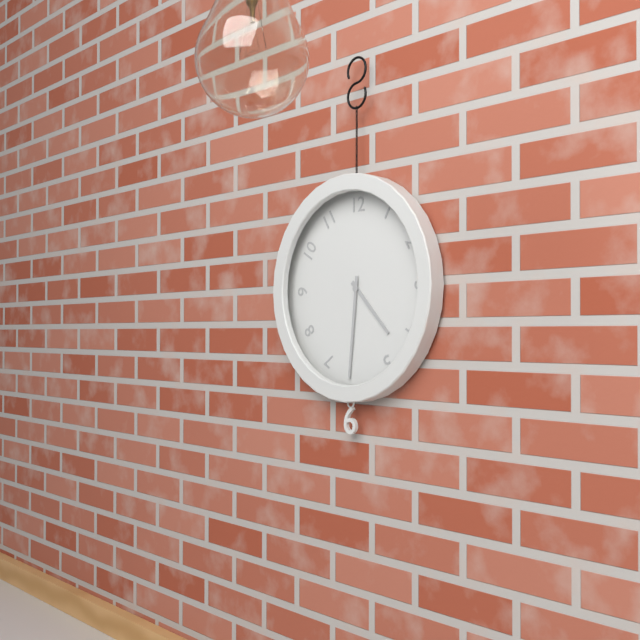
4,31
